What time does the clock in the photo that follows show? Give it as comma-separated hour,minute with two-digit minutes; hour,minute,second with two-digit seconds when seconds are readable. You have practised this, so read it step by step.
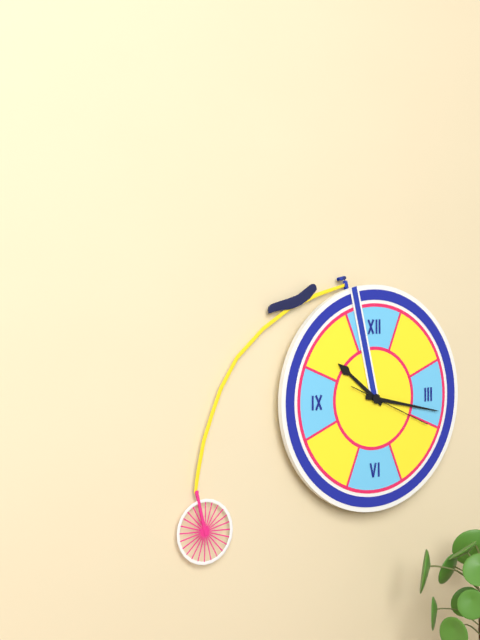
10,17,19
